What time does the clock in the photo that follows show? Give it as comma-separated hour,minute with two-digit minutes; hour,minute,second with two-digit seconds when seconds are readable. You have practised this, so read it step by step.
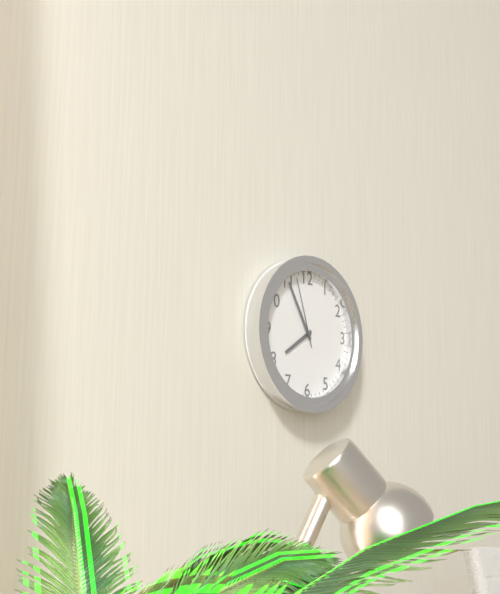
7,55,57
